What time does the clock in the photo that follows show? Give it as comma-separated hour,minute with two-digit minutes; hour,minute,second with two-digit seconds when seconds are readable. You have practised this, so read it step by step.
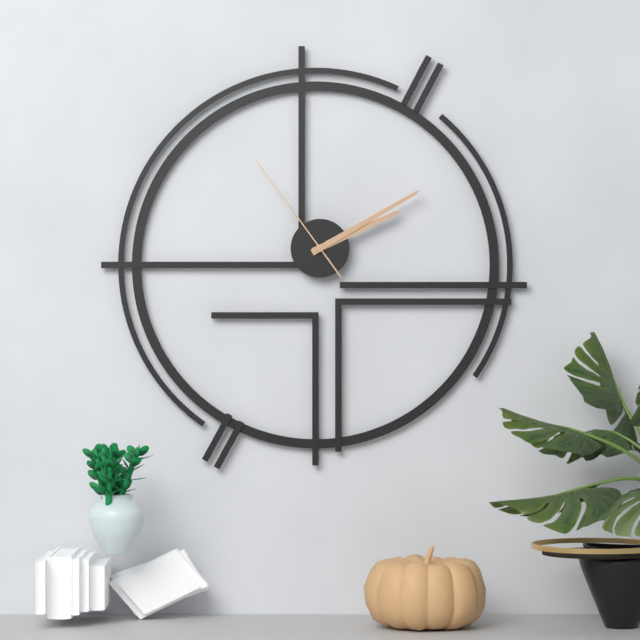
2,10,54
